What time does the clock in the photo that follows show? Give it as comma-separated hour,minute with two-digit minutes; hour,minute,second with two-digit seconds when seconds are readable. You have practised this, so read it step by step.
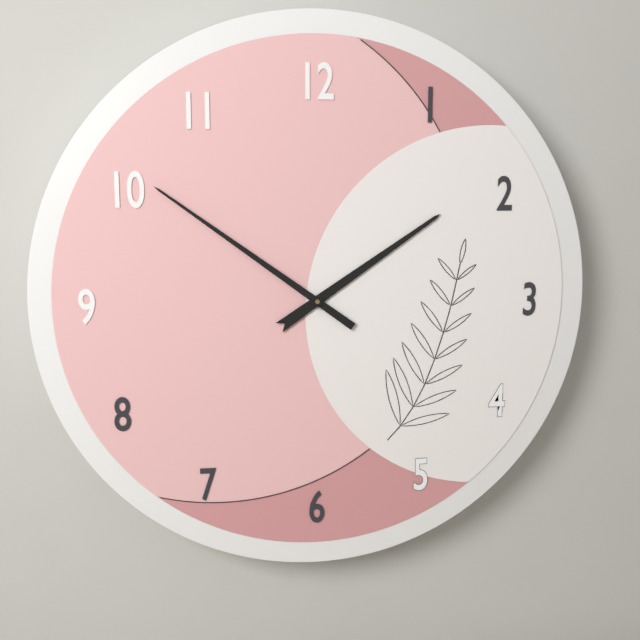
1,51
